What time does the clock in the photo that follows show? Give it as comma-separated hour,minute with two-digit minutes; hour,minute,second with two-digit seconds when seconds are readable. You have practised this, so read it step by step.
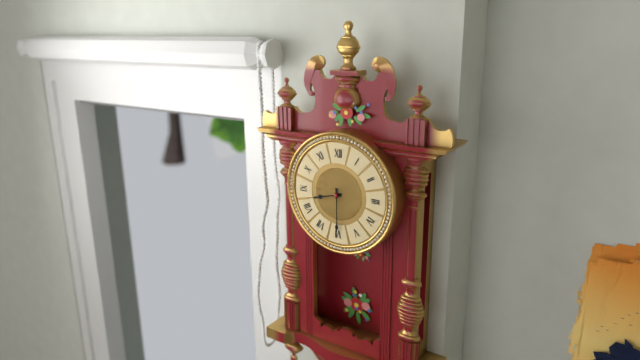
8,30
